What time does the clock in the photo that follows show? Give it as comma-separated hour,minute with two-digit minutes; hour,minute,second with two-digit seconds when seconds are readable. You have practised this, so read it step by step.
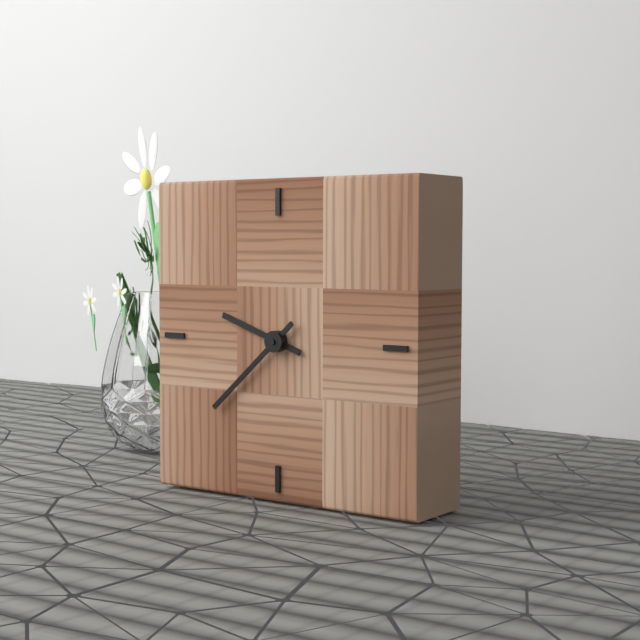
9,38
